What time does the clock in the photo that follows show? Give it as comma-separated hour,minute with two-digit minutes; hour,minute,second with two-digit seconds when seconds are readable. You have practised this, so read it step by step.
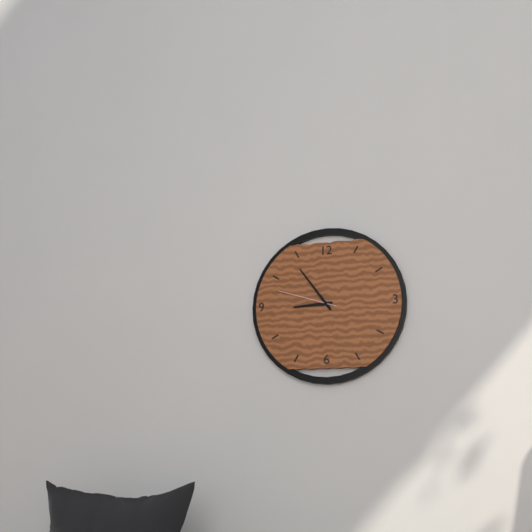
8,54,48
